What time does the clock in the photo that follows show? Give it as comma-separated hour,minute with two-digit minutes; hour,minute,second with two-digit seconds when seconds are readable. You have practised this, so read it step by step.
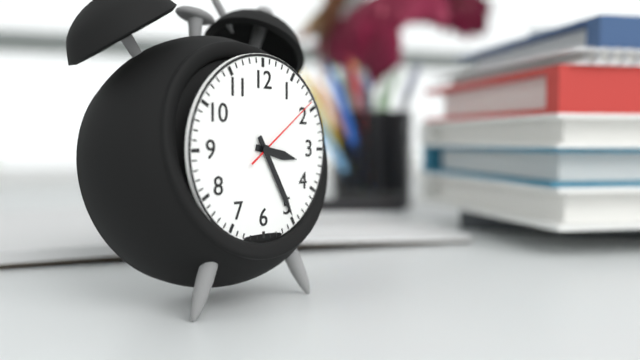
3,25,09
